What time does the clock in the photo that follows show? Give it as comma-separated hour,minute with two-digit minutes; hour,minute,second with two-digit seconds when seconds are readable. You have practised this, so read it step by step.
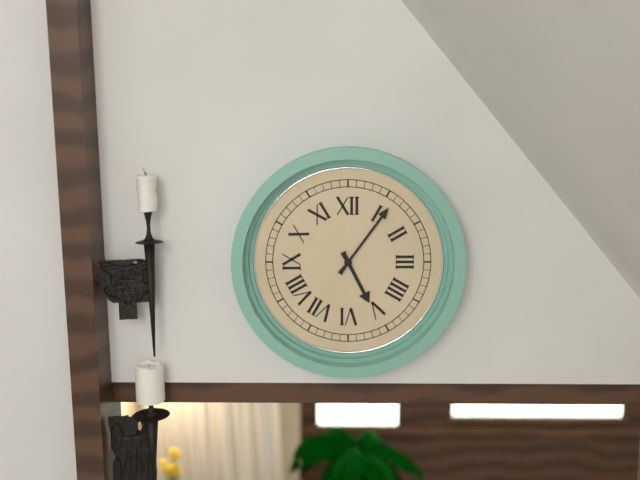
5,06
